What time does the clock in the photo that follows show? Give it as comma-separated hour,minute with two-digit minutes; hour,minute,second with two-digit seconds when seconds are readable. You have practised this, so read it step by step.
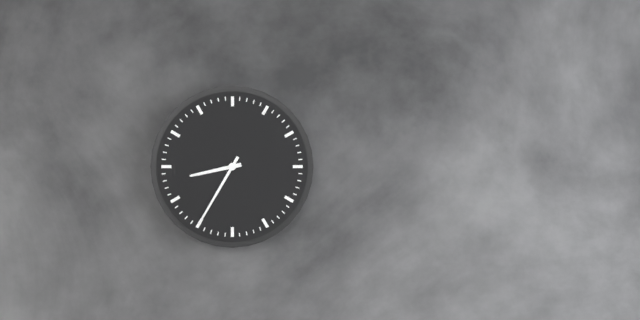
8,35
